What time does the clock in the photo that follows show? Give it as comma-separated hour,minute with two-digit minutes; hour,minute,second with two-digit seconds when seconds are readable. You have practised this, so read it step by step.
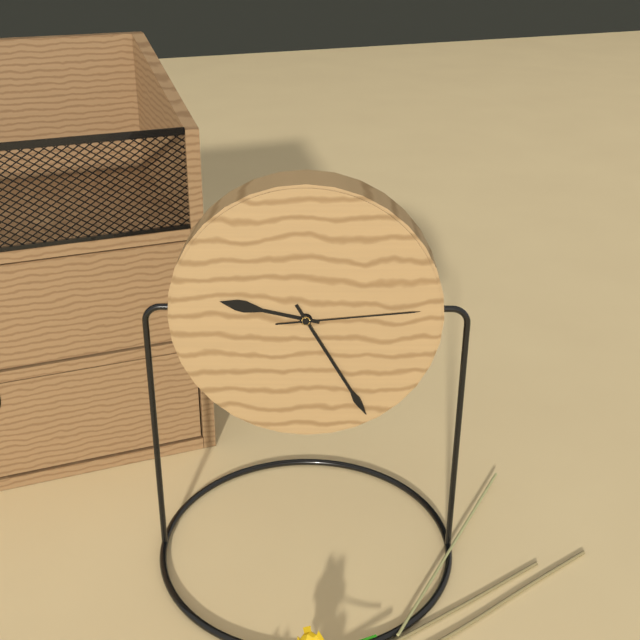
9,25,14
